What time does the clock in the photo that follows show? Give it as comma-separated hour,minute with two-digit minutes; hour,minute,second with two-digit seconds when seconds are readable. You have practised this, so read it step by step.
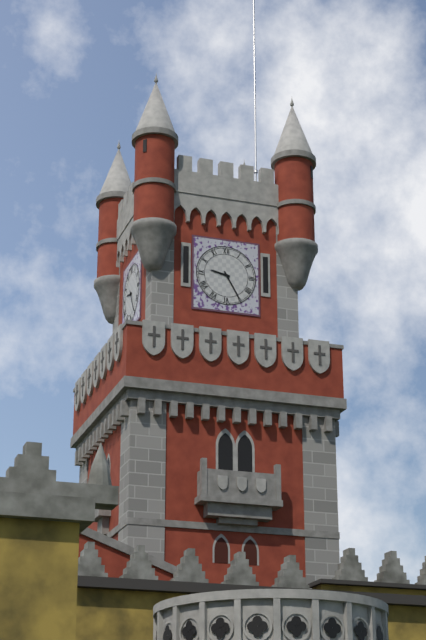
9,25
